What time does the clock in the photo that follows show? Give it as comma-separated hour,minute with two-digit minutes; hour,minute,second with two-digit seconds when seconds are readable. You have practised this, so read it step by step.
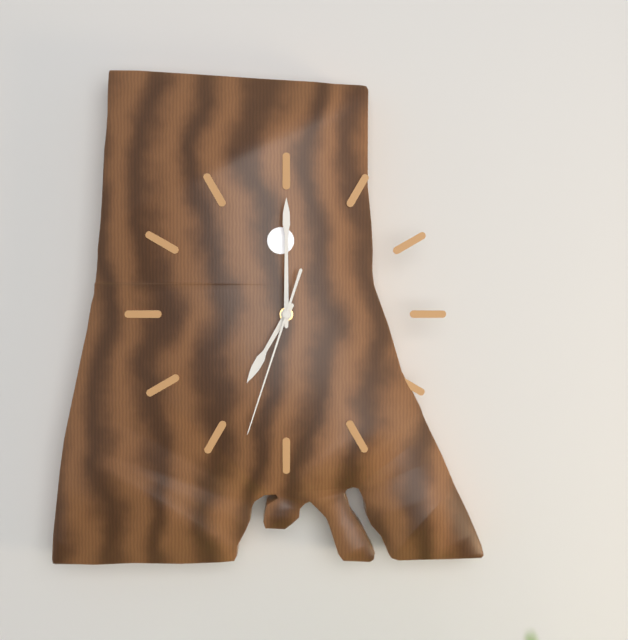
7,00,33
